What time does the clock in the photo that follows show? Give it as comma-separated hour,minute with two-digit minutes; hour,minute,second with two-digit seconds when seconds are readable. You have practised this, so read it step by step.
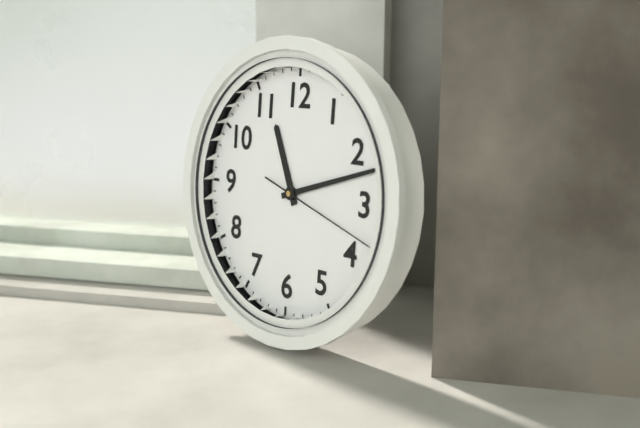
11,12,18
